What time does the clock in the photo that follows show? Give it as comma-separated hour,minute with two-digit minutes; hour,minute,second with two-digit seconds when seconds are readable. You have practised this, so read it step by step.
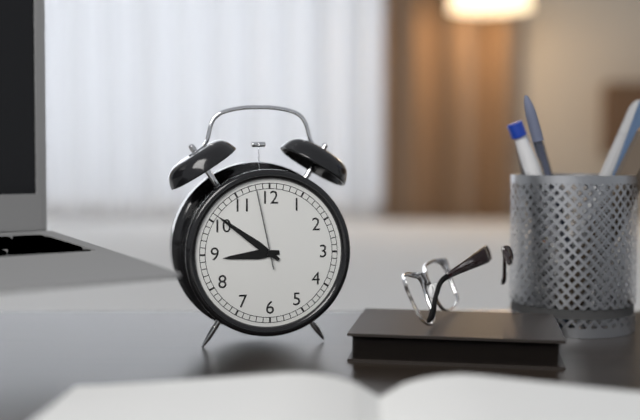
8,51,58
